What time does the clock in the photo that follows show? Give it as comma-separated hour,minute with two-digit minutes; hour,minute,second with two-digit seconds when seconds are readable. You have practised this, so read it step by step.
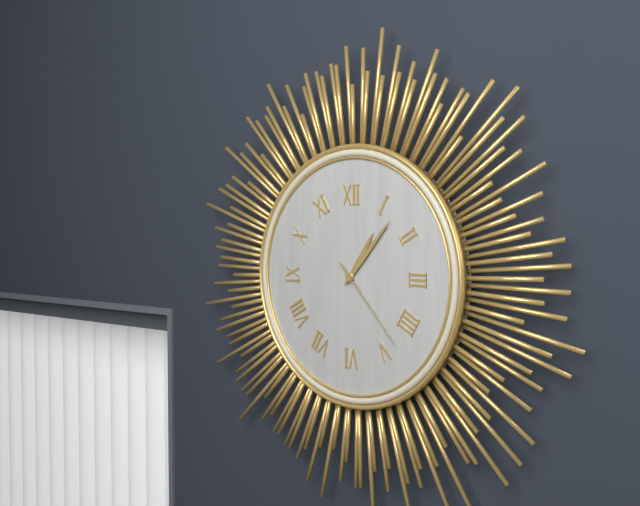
1,07,23
